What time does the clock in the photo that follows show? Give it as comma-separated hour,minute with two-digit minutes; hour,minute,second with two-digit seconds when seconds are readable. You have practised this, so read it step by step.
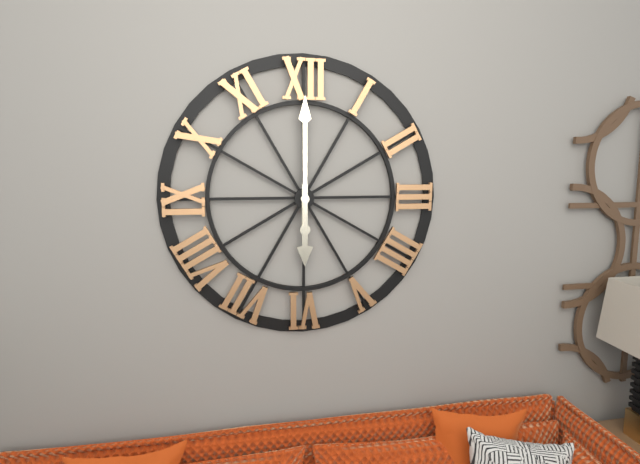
6,00
